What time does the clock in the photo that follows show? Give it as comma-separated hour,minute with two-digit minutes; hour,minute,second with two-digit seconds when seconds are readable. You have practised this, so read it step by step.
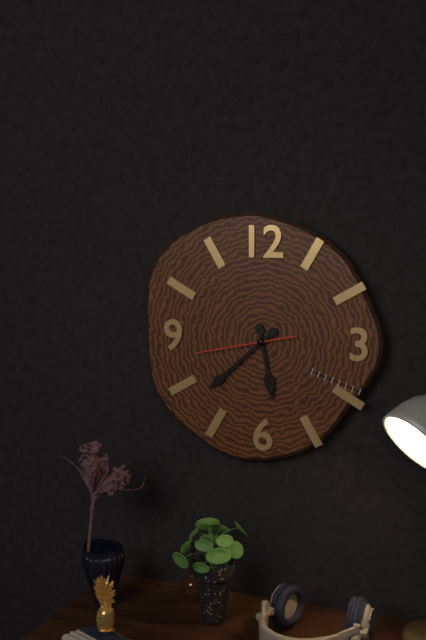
5,38,43
